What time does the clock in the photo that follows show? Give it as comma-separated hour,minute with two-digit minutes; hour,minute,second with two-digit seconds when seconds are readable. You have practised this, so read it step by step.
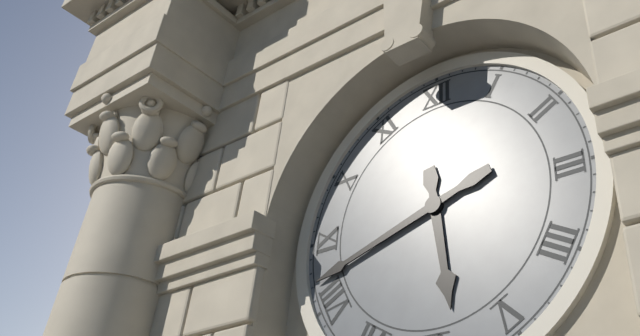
5,42
